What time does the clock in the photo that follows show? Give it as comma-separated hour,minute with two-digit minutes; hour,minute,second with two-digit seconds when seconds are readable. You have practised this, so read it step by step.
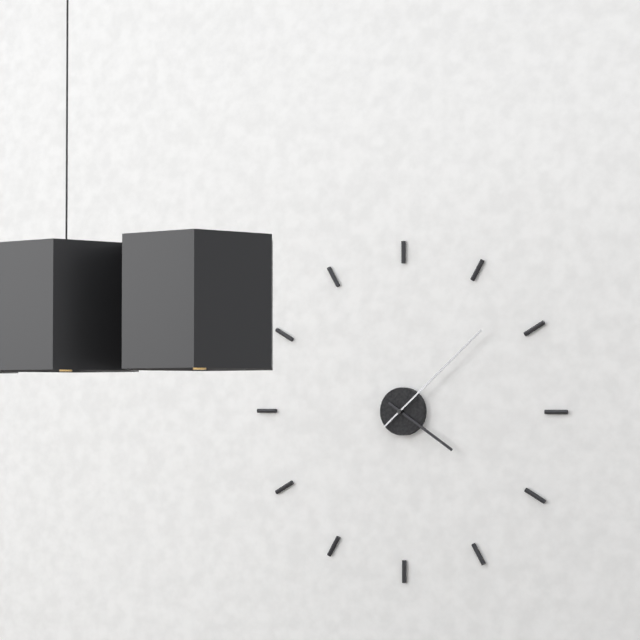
4,08
